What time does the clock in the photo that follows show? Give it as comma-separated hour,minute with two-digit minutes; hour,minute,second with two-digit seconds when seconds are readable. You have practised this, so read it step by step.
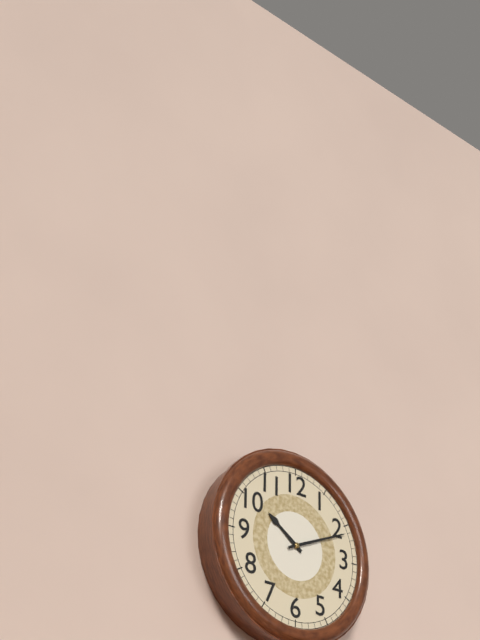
10,11
